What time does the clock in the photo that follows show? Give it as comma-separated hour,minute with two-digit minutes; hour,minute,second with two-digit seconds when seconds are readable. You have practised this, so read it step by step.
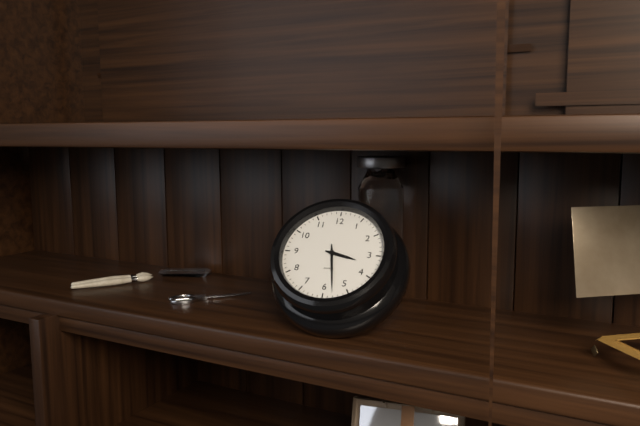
3,28
